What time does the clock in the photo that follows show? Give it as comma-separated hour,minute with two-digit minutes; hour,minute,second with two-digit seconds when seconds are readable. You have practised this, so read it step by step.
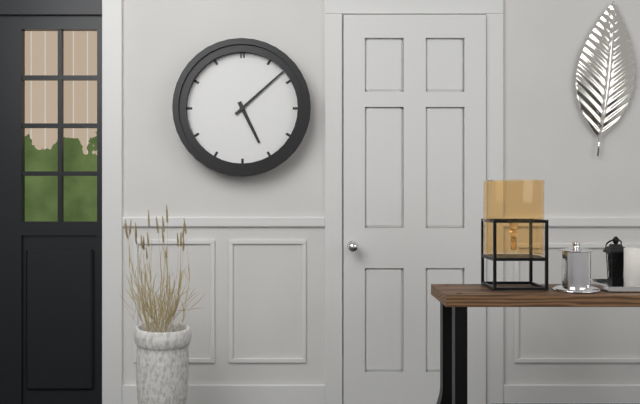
5,08
